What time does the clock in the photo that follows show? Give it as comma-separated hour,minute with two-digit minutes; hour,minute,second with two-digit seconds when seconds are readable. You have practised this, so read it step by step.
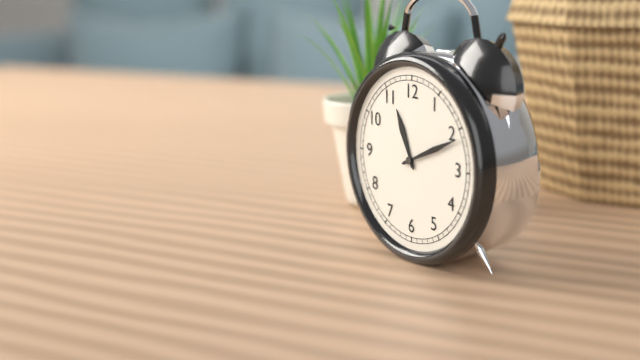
11,11
